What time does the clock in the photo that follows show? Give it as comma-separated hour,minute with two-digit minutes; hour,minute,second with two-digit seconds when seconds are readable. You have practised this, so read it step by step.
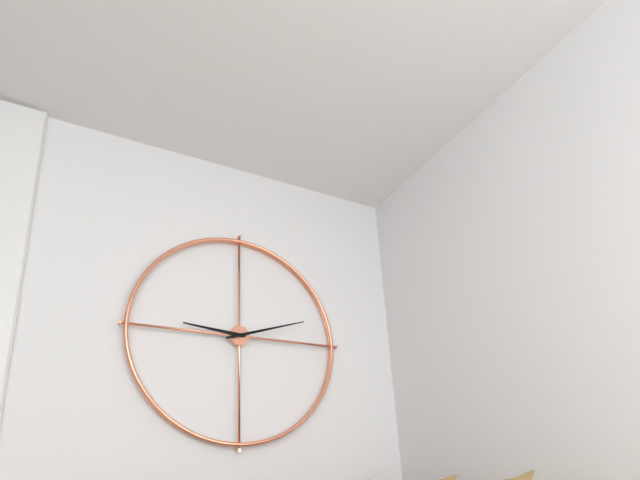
9,12
